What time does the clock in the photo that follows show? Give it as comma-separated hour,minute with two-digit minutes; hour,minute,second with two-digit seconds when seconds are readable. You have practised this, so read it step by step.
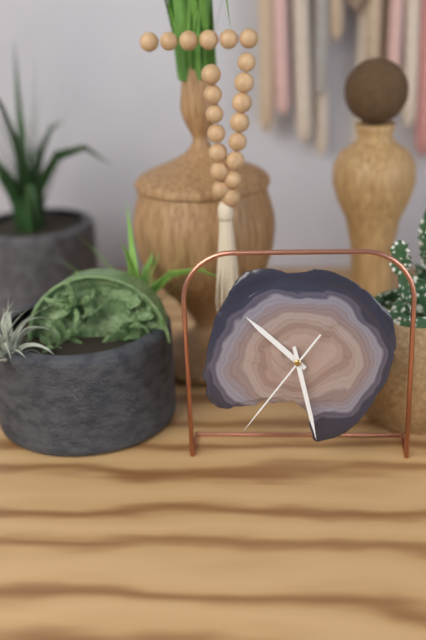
10,28,36
